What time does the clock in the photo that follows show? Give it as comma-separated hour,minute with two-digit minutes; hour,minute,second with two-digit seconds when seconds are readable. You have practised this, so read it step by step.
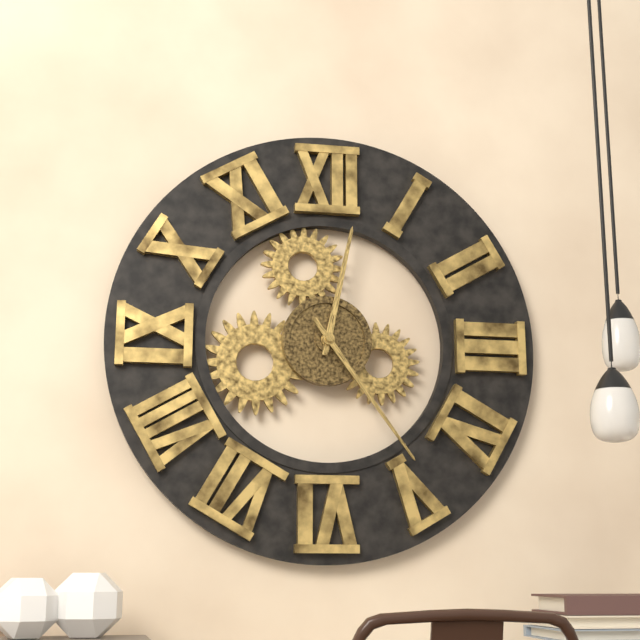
12,24
